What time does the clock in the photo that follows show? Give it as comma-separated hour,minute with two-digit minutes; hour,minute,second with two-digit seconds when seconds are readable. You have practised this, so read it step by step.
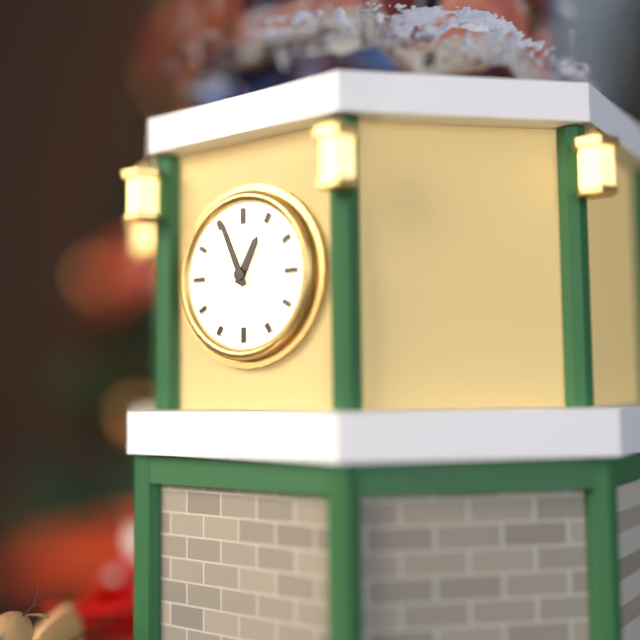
12,56
